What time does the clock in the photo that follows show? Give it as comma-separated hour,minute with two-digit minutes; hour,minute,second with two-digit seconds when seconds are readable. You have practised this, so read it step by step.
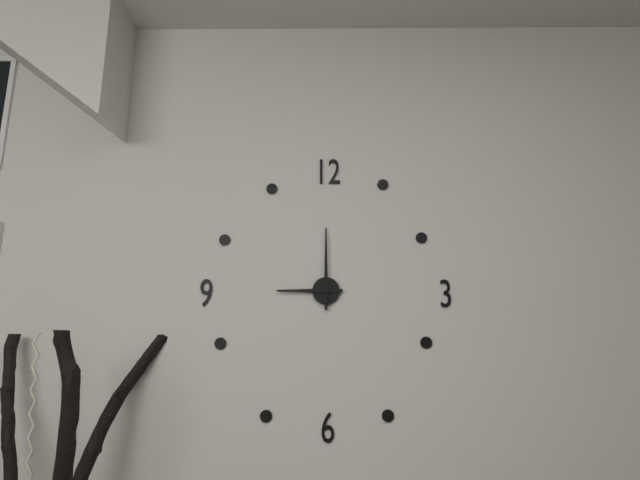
9,00
